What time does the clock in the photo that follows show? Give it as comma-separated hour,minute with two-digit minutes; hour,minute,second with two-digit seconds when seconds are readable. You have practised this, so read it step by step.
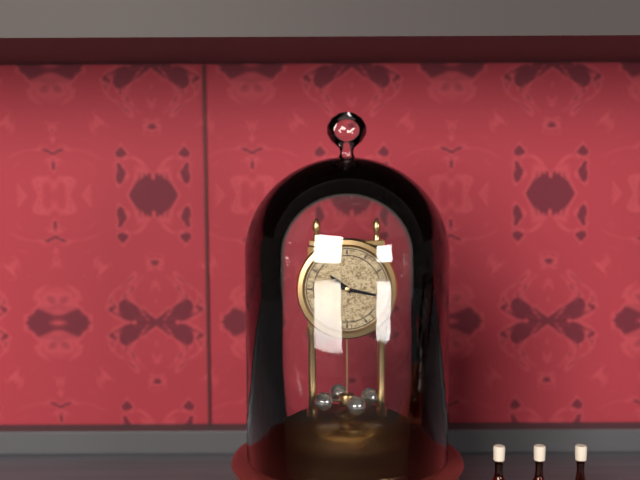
10,17
